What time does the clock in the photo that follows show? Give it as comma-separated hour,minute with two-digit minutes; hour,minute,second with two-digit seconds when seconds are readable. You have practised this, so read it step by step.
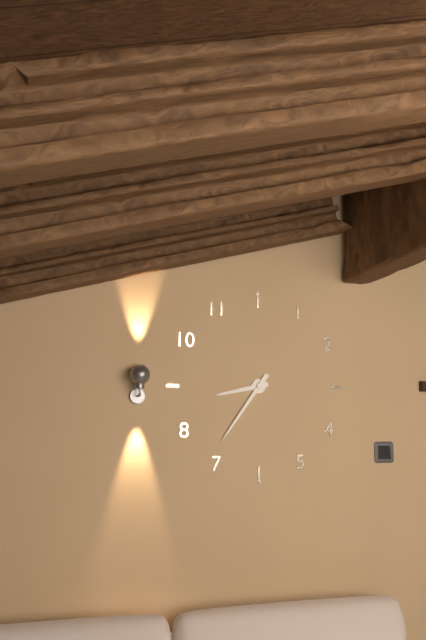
8,36
